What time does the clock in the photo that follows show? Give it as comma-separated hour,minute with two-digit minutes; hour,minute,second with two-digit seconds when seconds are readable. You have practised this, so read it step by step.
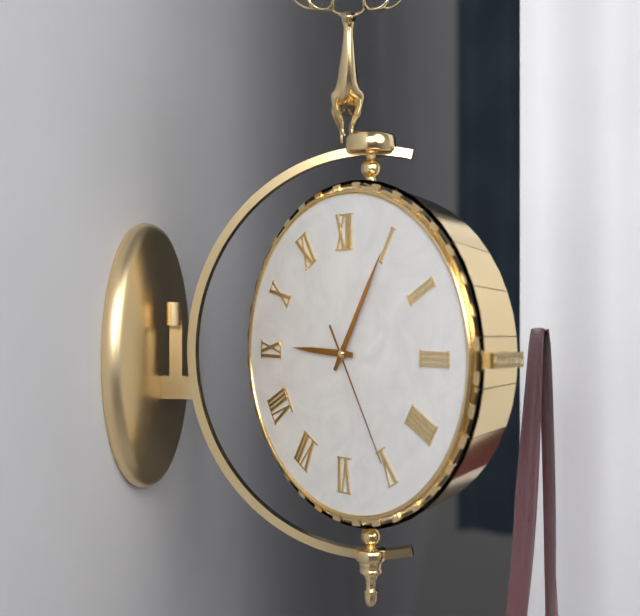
9,05,25
